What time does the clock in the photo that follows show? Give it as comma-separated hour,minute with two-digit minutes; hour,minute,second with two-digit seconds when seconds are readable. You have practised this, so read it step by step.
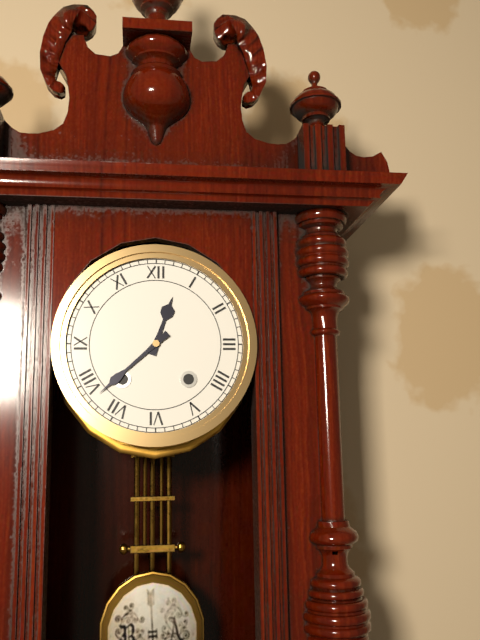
12,38
